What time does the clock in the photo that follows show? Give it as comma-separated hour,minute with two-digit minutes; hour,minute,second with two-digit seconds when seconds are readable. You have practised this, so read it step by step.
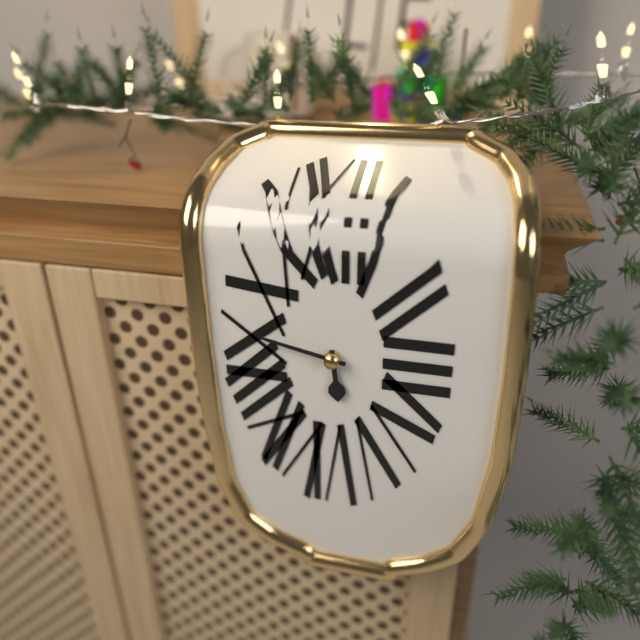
5,47
